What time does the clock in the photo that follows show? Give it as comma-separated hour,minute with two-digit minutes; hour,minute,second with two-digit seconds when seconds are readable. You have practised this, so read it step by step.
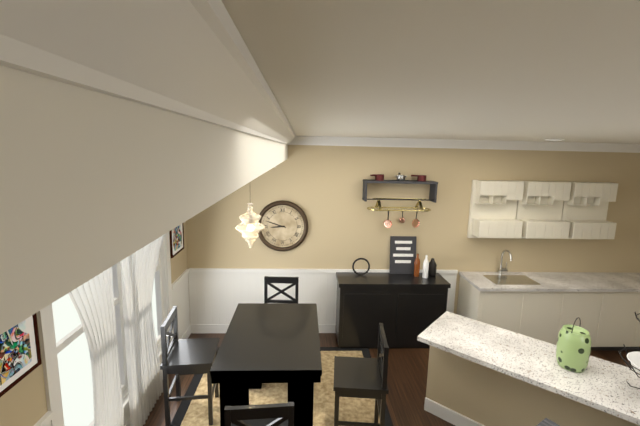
8,48
